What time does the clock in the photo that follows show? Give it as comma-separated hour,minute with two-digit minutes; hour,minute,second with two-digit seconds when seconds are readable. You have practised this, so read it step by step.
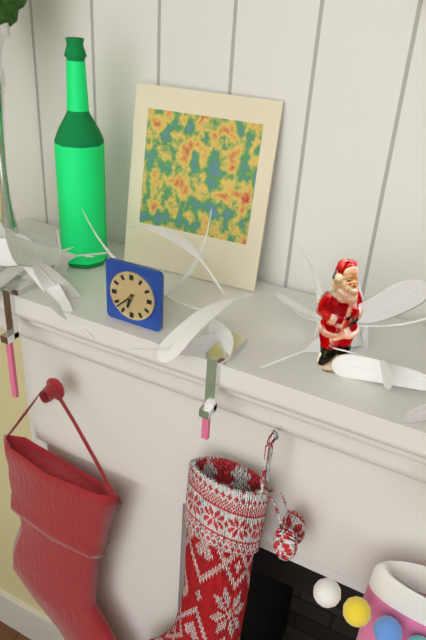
6,38
